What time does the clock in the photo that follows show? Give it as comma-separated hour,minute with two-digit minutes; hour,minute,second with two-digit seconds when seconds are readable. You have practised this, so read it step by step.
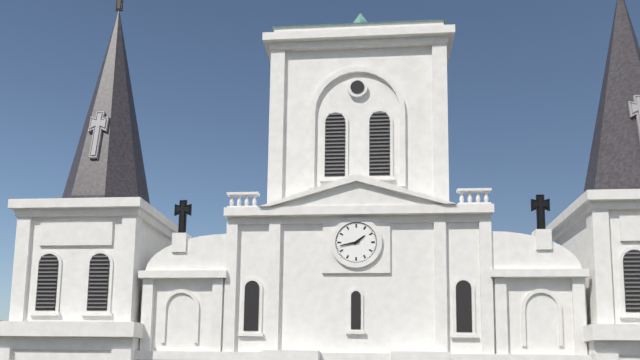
1,43
